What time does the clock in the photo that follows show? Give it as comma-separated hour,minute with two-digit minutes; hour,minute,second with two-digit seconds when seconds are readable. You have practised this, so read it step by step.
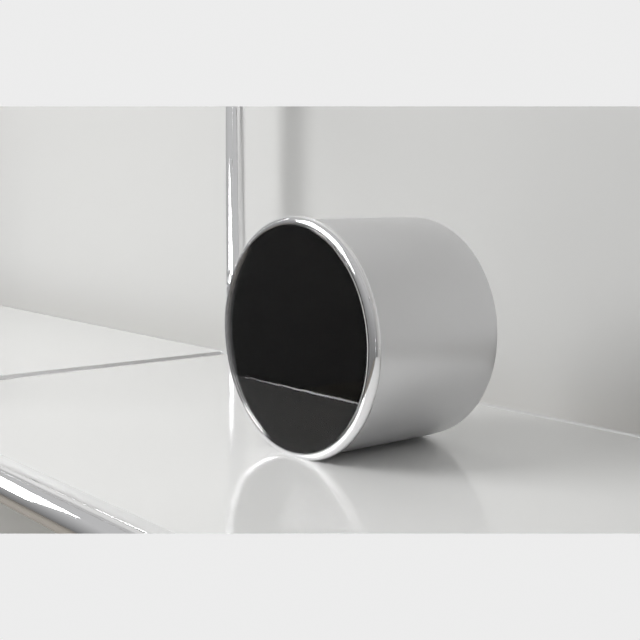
10,08,31
